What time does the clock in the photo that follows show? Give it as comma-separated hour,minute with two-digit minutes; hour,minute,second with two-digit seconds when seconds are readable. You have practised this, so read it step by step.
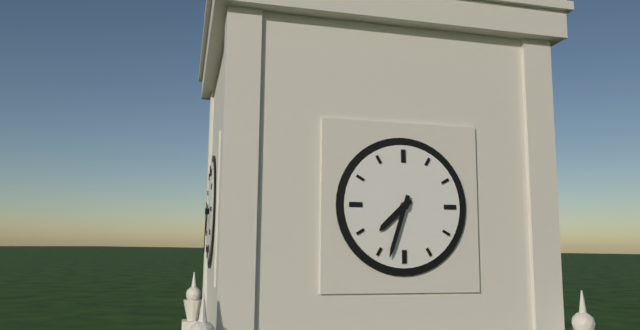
7,33
